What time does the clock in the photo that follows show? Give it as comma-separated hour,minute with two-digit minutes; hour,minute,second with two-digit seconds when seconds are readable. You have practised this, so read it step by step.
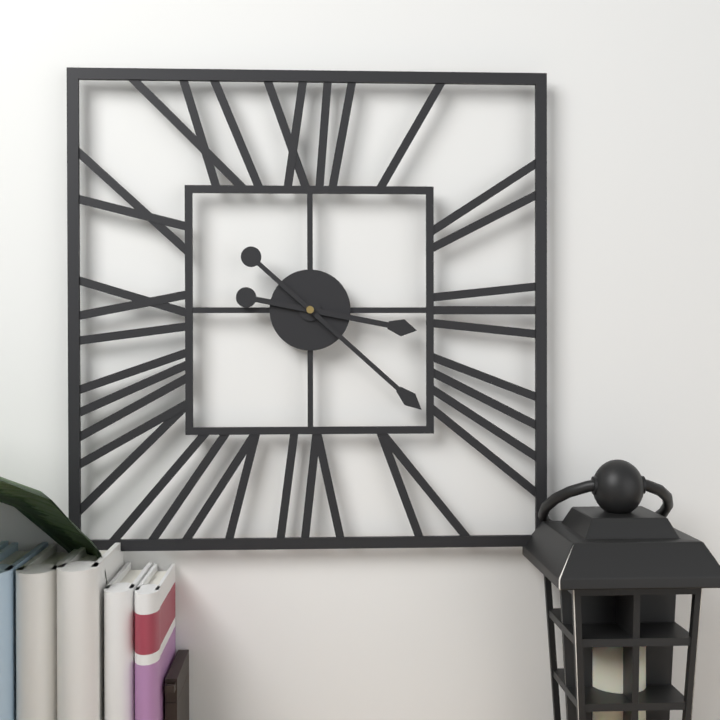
3,22
